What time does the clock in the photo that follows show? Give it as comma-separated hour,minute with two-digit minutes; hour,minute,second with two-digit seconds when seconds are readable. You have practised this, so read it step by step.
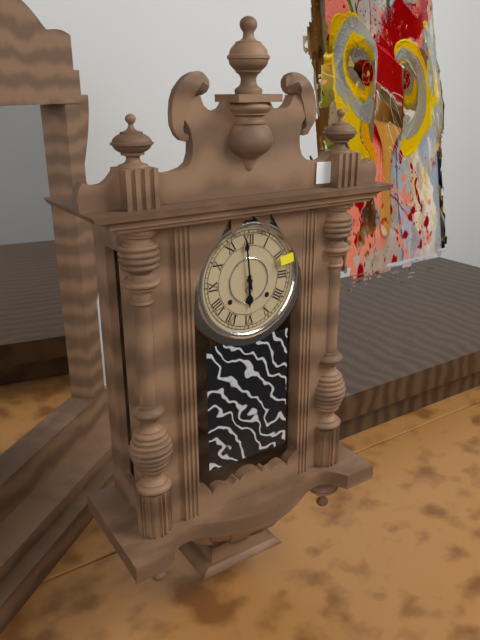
5,59
